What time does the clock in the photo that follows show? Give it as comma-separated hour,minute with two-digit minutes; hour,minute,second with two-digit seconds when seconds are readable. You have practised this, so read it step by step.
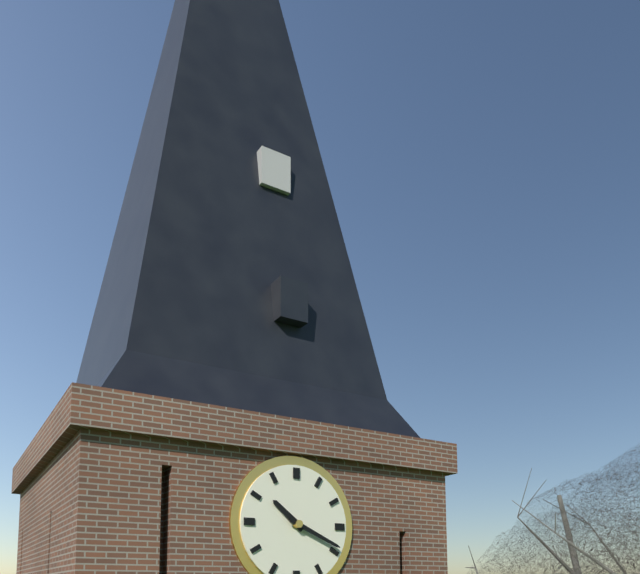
10,19
